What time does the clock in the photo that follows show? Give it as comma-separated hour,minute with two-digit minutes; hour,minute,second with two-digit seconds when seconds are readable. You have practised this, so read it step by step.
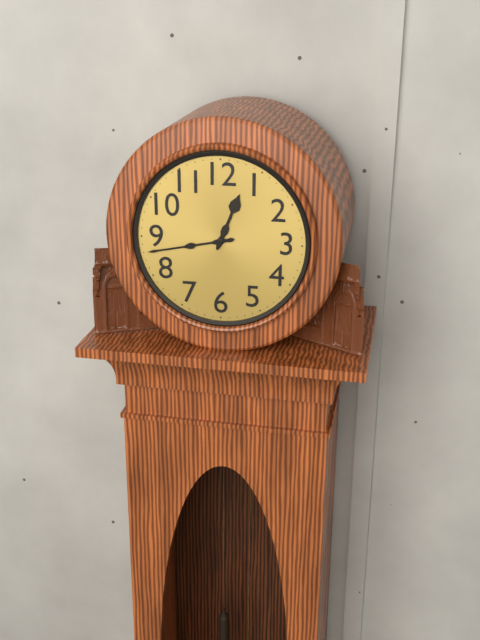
12,43
